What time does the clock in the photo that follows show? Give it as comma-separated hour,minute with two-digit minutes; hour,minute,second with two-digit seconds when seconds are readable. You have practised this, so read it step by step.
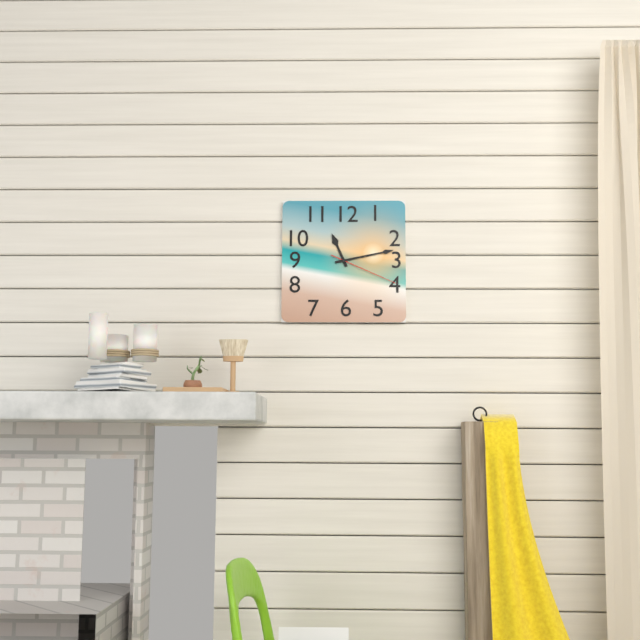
11,13,19
